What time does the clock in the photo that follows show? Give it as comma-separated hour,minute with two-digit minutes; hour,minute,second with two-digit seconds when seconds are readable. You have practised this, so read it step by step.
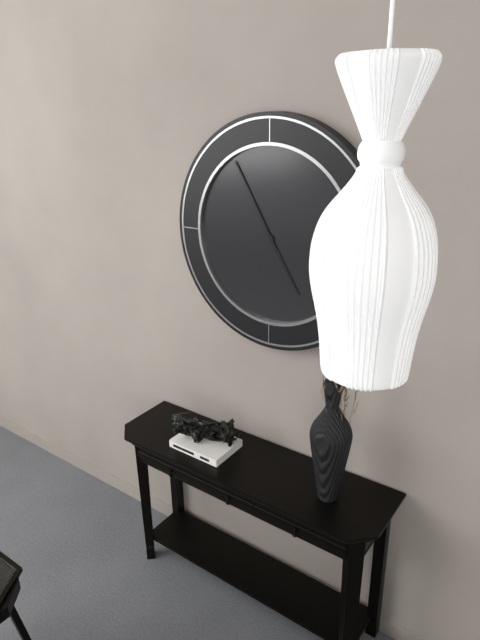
4,55
